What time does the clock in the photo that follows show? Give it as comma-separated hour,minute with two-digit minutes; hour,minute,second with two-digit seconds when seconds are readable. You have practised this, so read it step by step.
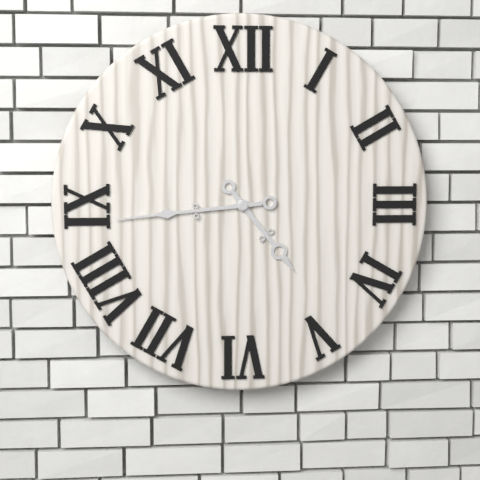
4,44
